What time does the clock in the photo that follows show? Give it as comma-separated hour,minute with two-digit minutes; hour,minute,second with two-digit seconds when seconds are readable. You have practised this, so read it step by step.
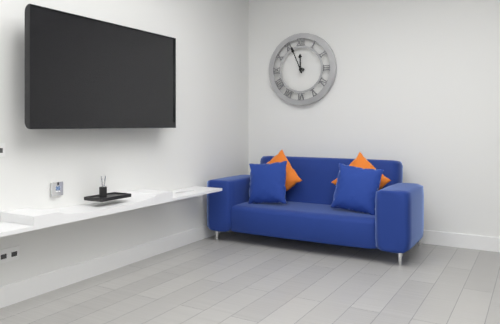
11,56
